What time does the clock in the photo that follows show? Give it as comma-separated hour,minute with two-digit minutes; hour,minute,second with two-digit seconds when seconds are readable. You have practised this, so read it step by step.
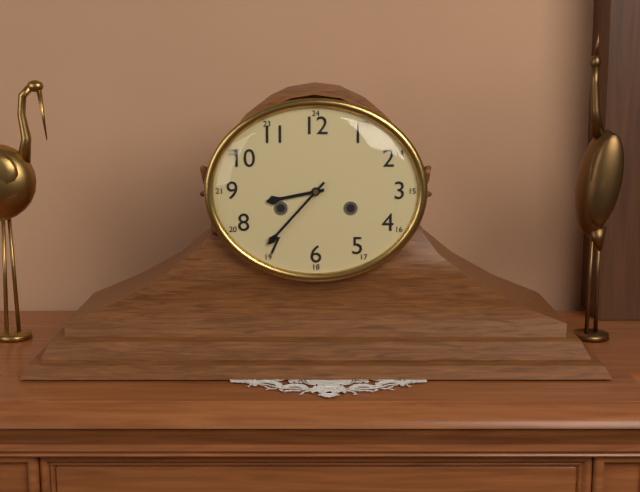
8,37
